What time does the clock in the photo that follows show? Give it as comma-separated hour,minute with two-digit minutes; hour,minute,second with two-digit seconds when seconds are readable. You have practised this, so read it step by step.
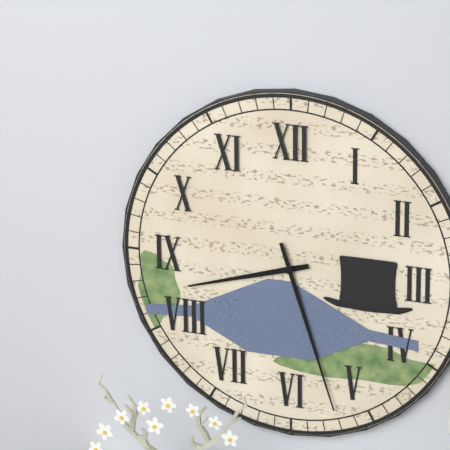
8,27
